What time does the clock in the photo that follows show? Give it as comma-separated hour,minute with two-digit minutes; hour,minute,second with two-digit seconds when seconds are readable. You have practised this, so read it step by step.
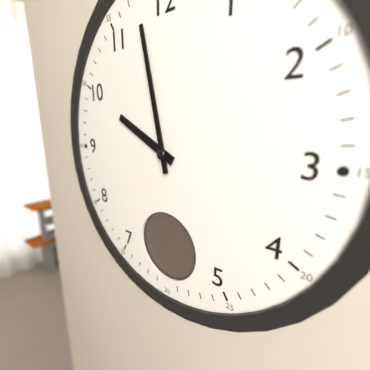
9,58
